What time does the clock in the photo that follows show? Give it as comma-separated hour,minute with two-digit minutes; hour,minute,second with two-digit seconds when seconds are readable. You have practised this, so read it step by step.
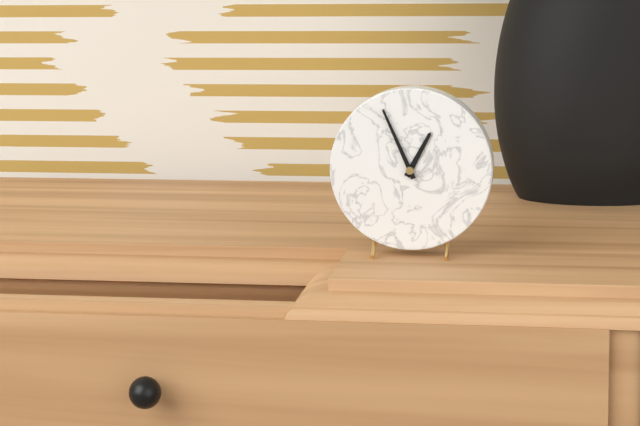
12,56
